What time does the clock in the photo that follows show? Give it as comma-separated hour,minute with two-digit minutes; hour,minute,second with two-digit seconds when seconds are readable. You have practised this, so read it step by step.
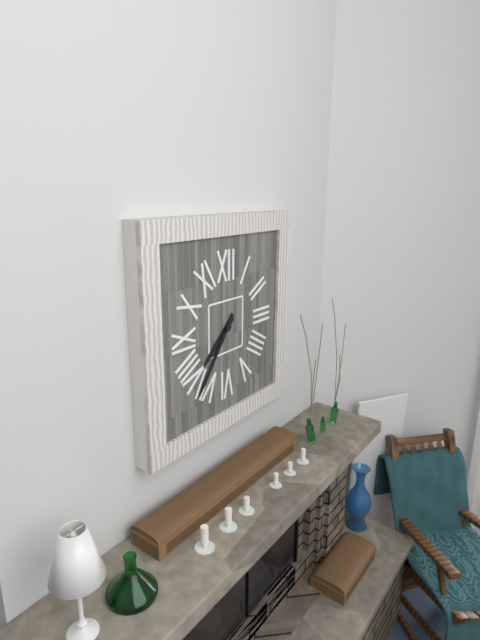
7,36
